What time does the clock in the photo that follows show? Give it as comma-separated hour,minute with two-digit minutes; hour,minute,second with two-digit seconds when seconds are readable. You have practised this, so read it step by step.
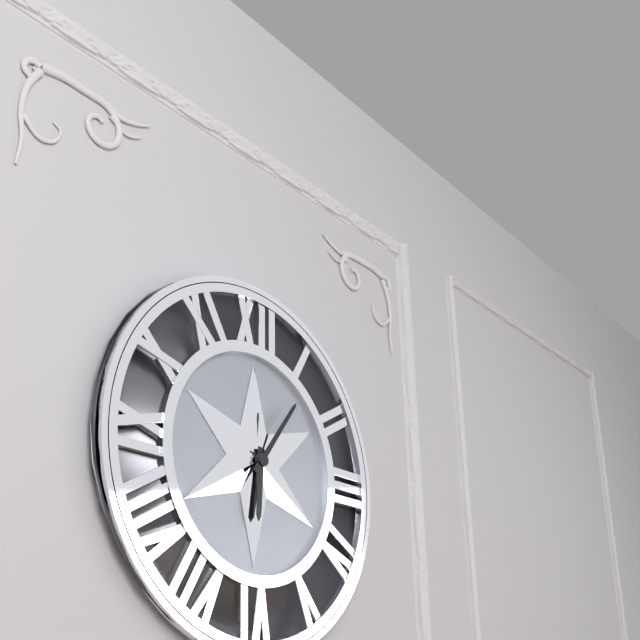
6,06
